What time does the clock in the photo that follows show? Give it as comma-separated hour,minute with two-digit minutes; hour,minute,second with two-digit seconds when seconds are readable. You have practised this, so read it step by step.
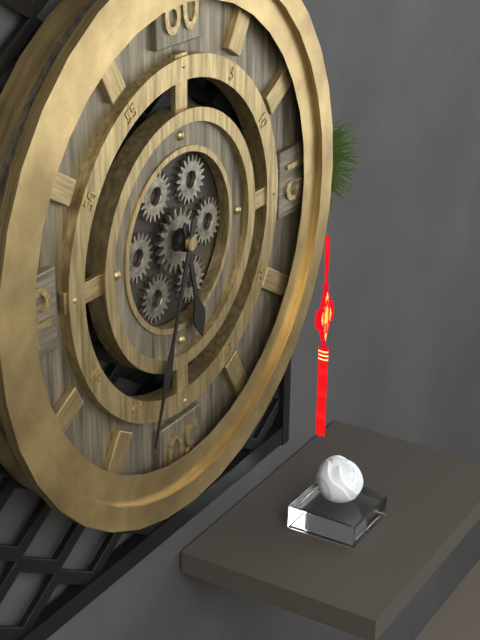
5,33
